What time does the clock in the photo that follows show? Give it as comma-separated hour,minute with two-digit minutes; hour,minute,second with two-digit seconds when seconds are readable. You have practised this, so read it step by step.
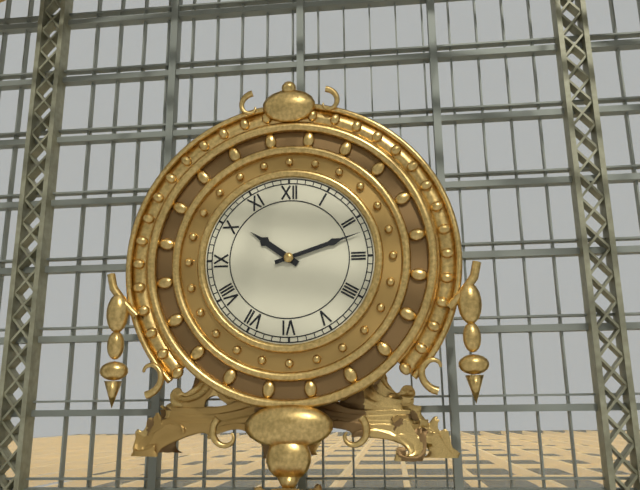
10,12
